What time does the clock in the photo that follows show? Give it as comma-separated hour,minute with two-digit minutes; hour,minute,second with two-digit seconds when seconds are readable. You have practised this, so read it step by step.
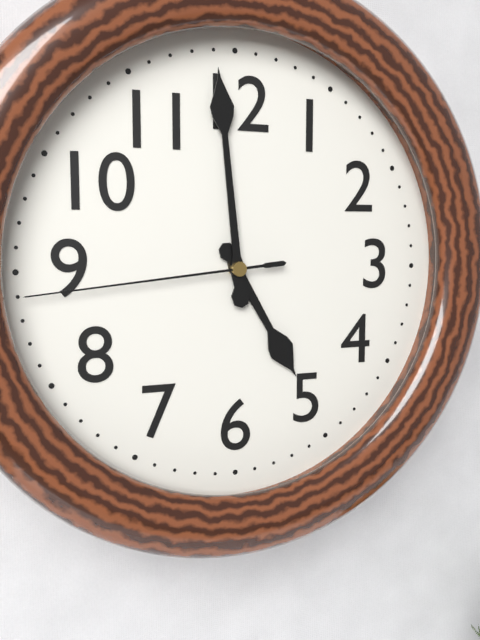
4,59,44
